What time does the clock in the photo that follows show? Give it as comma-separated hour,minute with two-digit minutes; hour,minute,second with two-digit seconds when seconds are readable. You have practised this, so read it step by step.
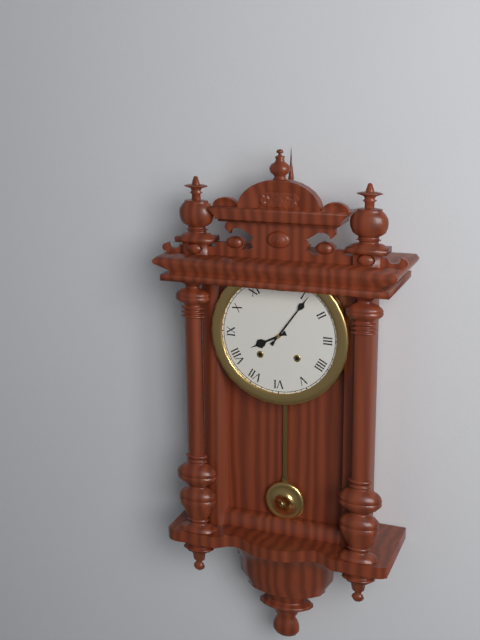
8,06
